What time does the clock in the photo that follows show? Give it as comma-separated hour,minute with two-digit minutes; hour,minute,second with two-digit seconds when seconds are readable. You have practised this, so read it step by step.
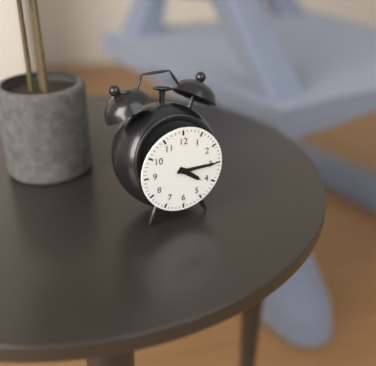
4,15
